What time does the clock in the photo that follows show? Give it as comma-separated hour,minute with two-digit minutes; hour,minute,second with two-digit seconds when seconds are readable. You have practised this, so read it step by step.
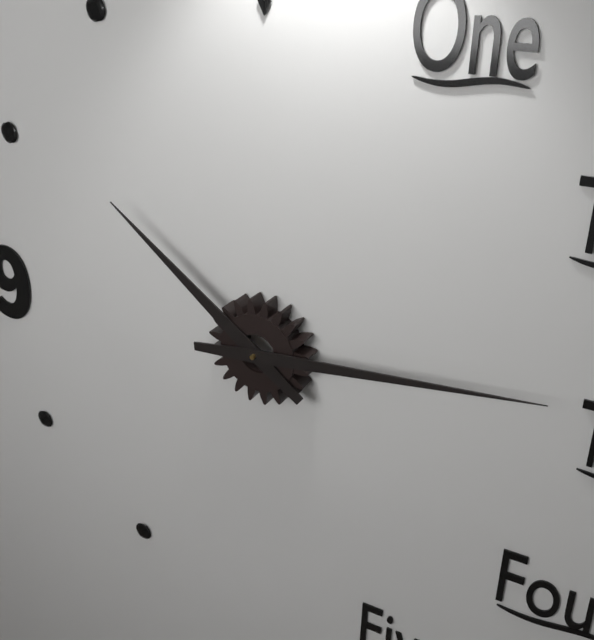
10,14
